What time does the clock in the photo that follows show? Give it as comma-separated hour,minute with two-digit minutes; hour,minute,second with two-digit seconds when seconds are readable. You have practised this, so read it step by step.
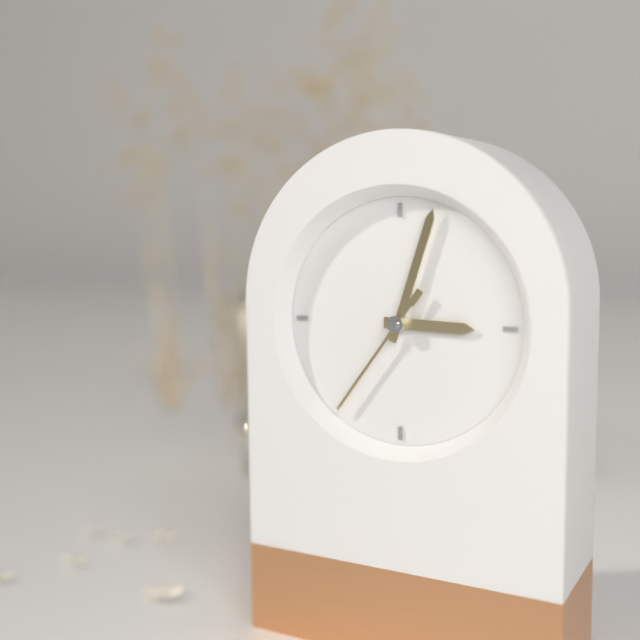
3,03,36
